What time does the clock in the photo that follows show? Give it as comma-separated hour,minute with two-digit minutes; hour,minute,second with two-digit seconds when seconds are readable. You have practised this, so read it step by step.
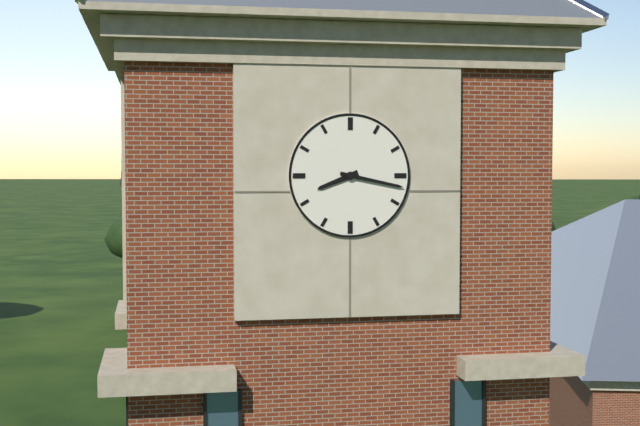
8,17
